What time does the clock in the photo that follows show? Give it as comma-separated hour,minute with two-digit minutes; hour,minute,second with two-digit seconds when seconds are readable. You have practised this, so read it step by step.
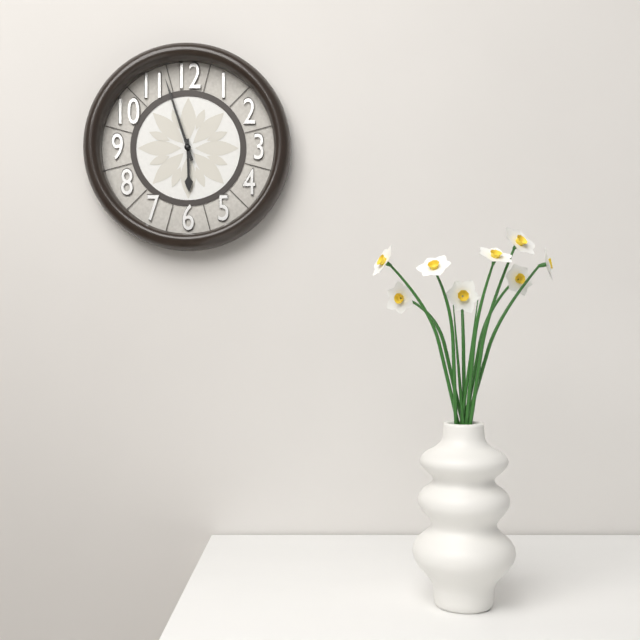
5,57
